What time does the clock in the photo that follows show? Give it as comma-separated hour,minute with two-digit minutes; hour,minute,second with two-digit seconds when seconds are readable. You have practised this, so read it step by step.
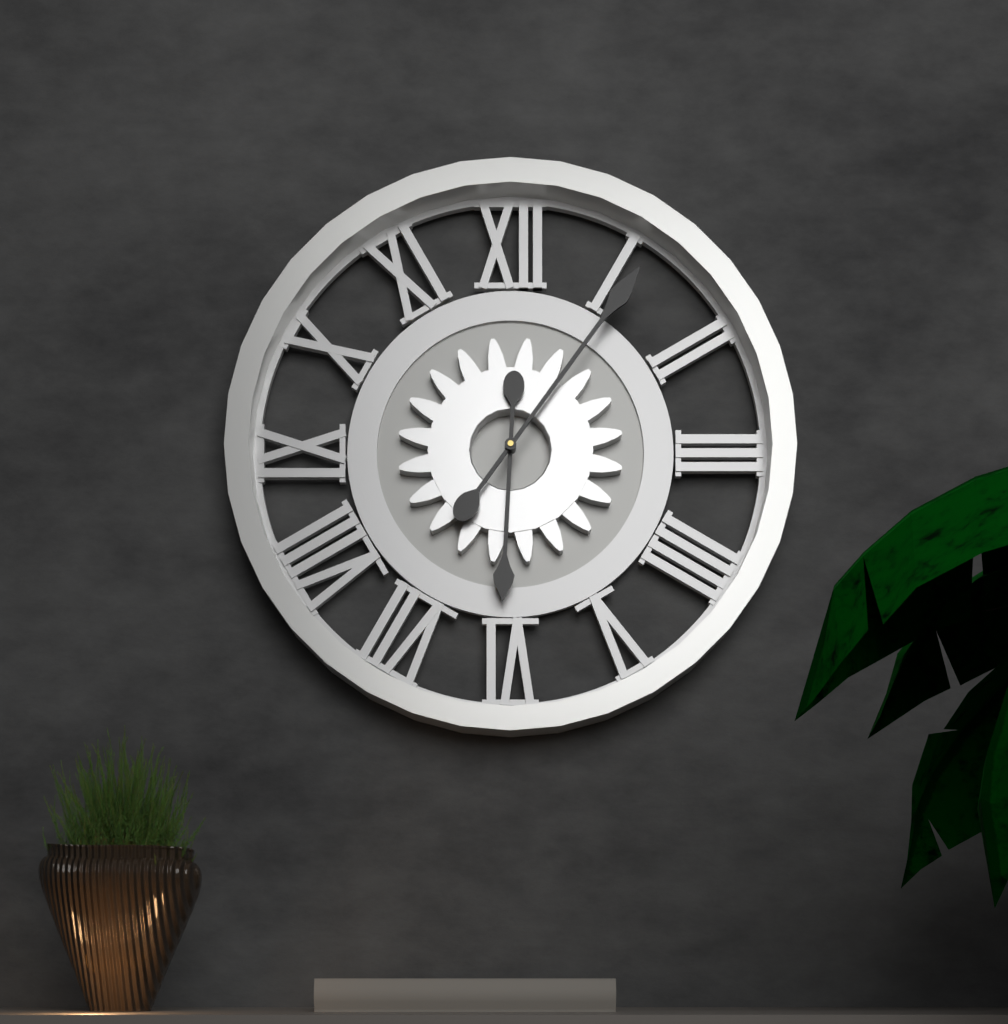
6,06
